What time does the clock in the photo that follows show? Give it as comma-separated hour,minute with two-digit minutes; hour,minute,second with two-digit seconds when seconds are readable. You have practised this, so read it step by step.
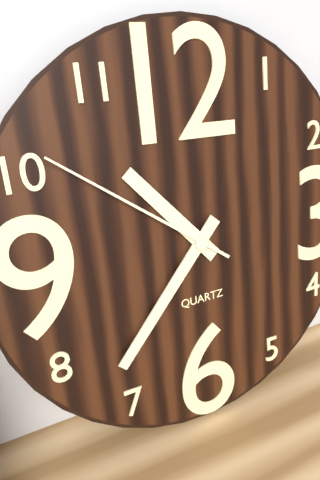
10,37,51
